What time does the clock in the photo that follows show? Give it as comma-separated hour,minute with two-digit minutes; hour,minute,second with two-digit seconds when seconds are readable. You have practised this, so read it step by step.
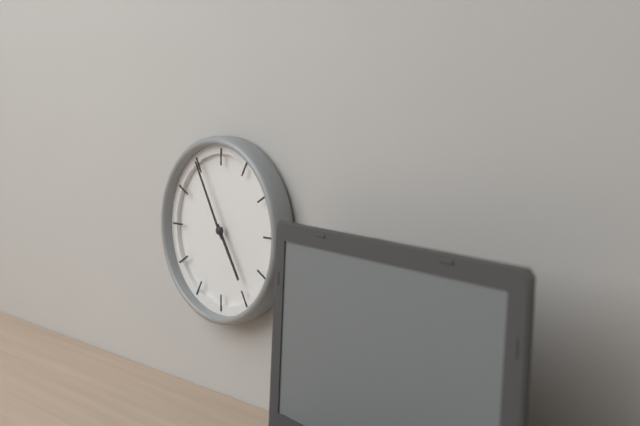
4,55
